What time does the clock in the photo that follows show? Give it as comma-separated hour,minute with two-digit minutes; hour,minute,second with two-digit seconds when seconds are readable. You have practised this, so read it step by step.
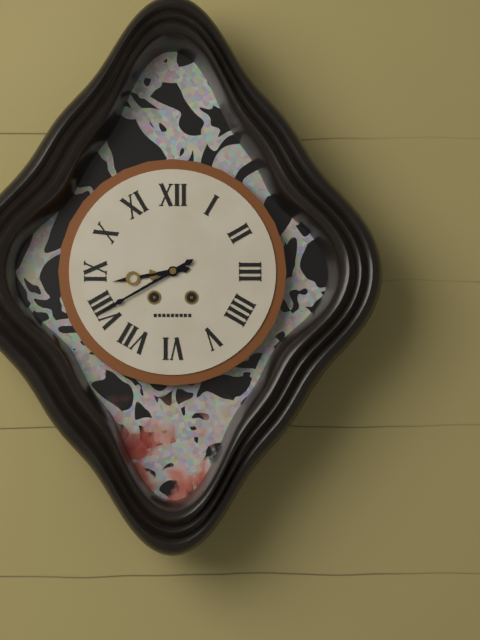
8,40
